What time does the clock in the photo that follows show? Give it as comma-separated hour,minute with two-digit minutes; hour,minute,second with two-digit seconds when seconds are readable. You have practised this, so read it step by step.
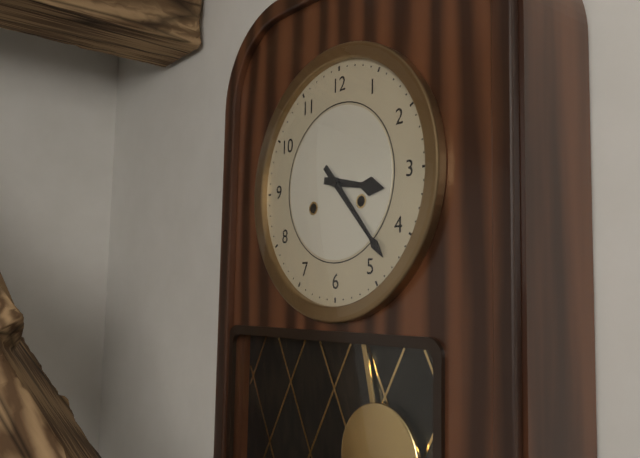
3,23
